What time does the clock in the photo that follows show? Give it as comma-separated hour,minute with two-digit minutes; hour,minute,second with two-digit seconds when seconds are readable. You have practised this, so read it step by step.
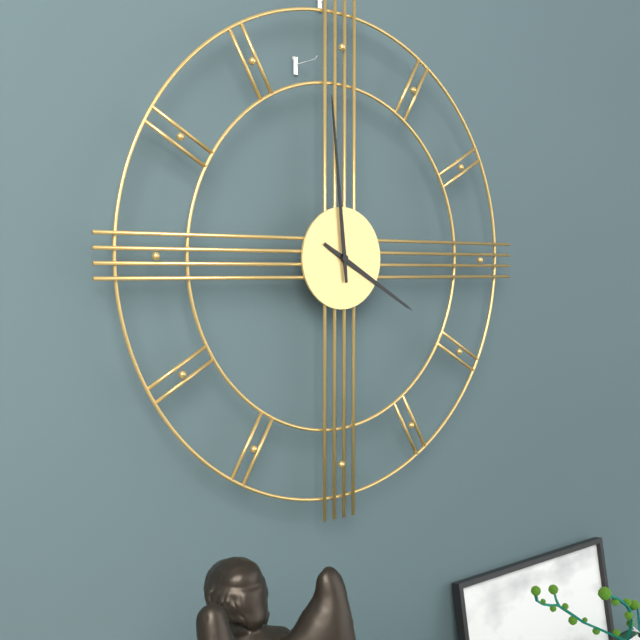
3,59
